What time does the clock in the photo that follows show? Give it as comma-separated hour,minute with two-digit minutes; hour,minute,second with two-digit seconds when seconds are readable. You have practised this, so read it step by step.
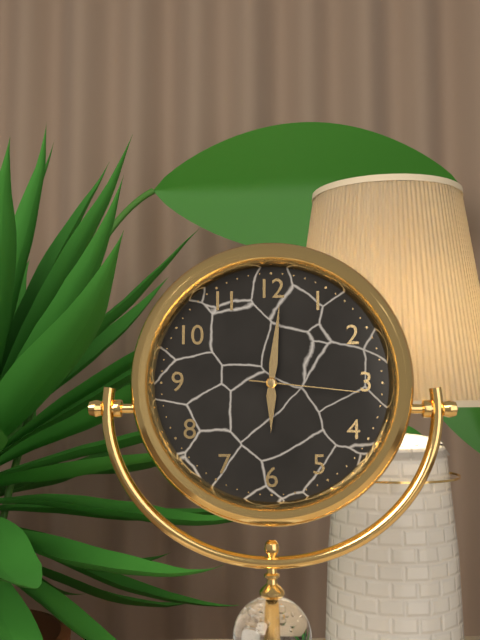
6,01,16
